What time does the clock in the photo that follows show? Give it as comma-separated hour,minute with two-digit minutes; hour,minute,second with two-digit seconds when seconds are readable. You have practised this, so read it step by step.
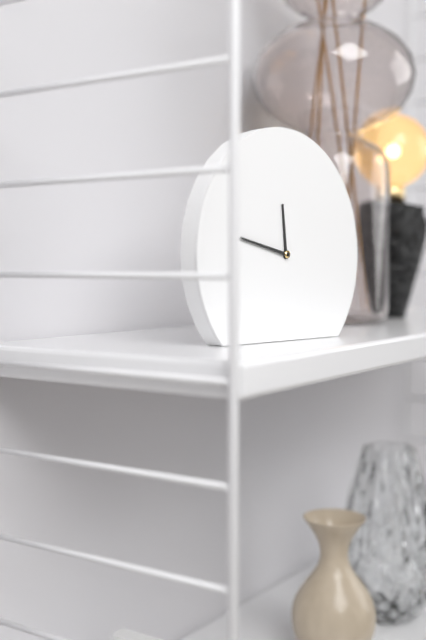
11,47
